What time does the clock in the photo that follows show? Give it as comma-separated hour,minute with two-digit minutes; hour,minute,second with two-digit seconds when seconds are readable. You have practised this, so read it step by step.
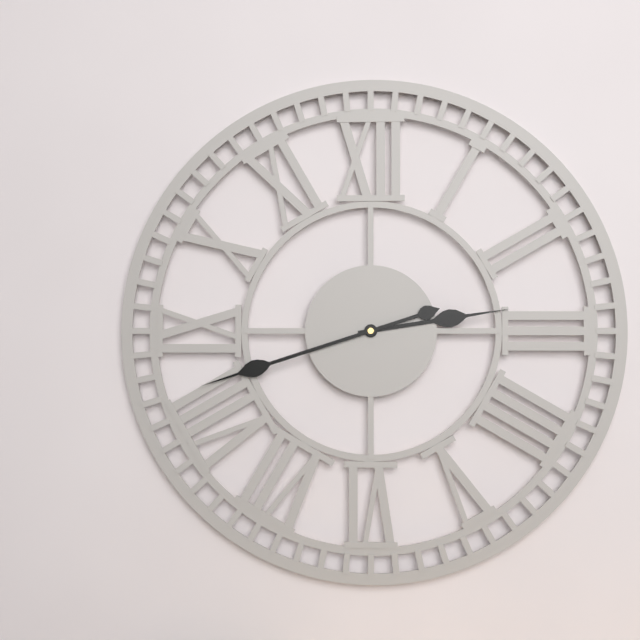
2,42
